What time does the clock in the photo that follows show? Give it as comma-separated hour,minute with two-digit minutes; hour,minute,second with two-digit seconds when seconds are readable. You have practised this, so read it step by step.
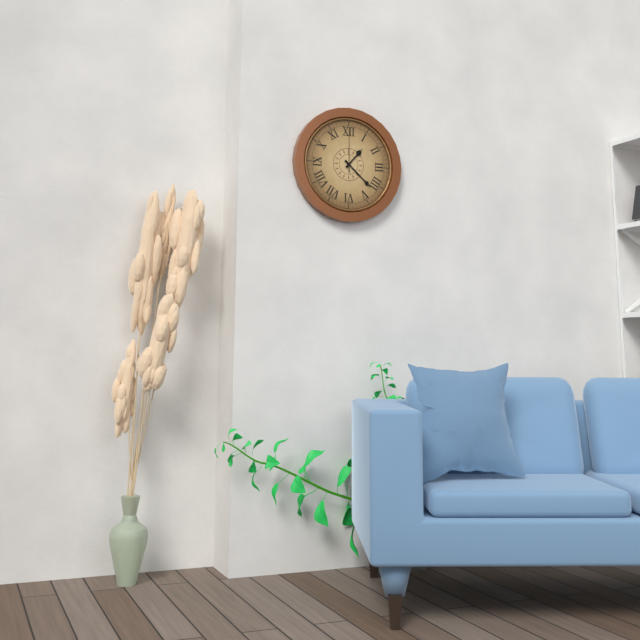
1,22
